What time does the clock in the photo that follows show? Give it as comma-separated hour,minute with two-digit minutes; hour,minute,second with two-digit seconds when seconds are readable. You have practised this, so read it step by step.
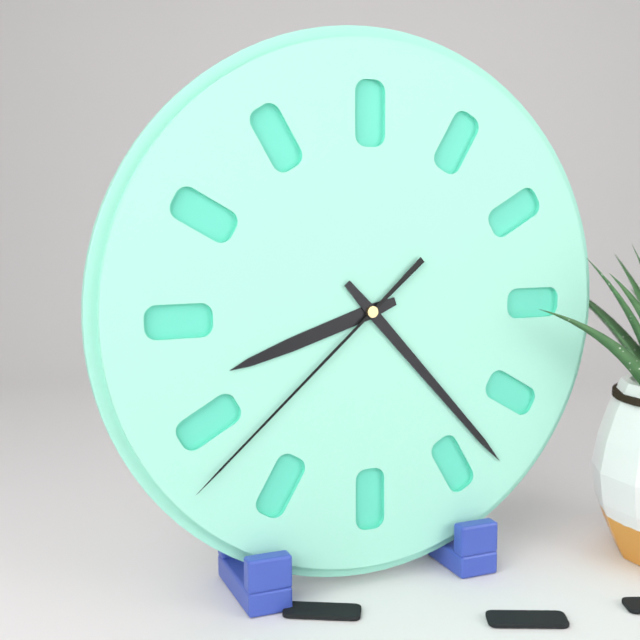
8,23,38
